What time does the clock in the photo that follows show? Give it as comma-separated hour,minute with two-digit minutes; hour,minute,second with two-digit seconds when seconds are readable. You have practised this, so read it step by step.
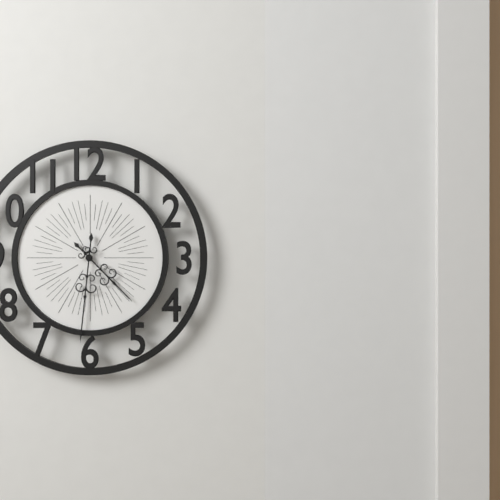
4,31
